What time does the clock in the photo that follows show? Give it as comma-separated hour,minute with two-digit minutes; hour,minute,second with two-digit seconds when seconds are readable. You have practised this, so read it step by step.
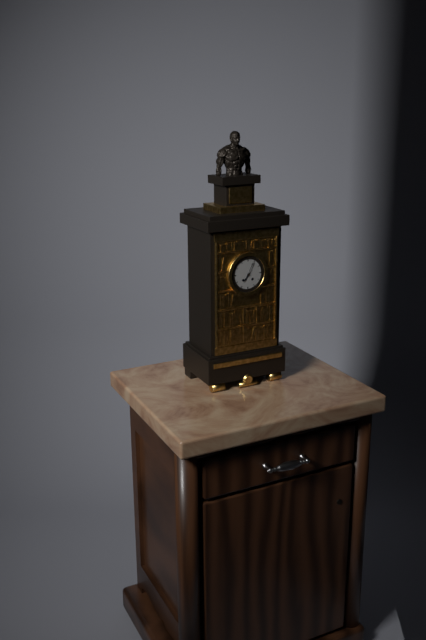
7,04
